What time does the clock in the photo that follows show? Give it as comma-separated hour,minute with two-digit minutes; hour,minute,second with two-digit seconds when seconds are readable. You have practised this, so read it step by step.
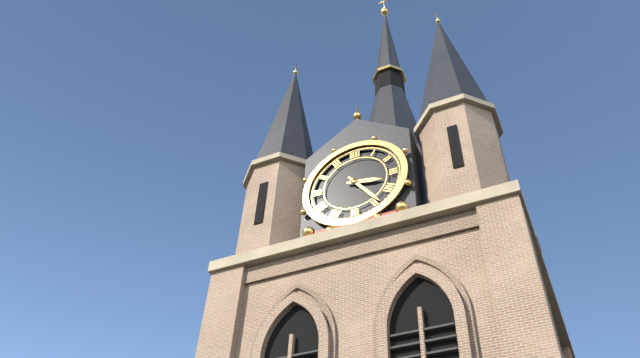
3,24
